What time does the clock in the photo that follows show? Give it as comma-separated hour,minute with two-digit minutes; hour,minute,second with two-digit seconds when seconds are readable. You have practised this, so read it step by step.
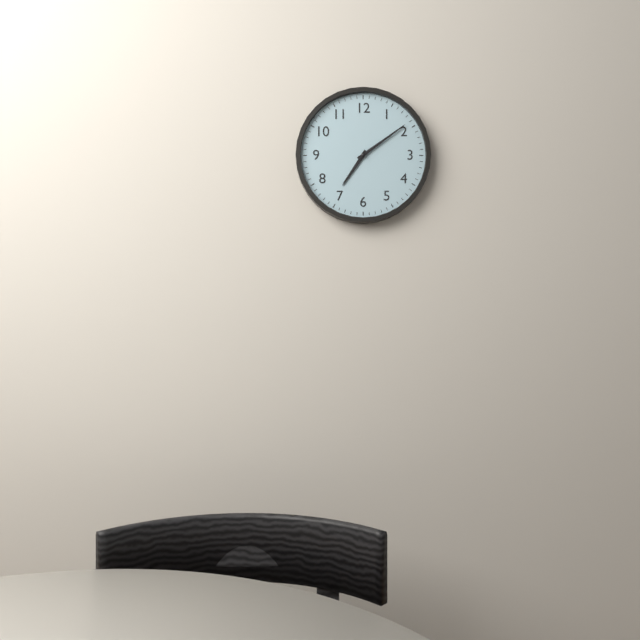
7,09
